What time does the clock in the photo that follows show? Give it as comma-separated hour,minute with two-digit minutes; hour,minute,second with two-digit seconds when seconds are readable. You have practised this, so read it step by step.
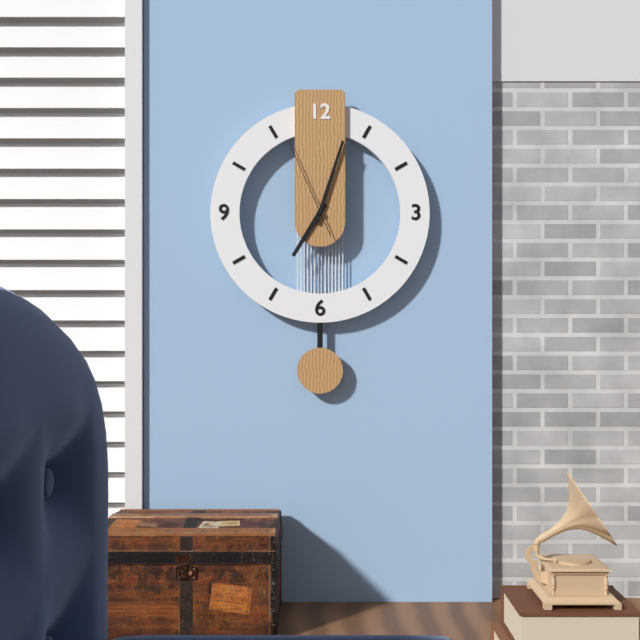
7,03,56
